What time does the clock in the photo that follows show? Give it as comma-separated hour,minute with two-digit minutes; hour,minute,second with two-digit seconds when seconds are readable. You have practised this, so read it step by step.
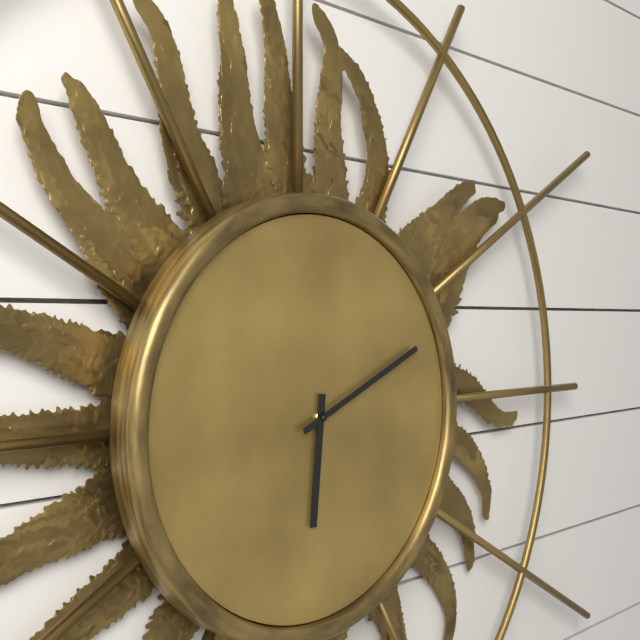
6,11
